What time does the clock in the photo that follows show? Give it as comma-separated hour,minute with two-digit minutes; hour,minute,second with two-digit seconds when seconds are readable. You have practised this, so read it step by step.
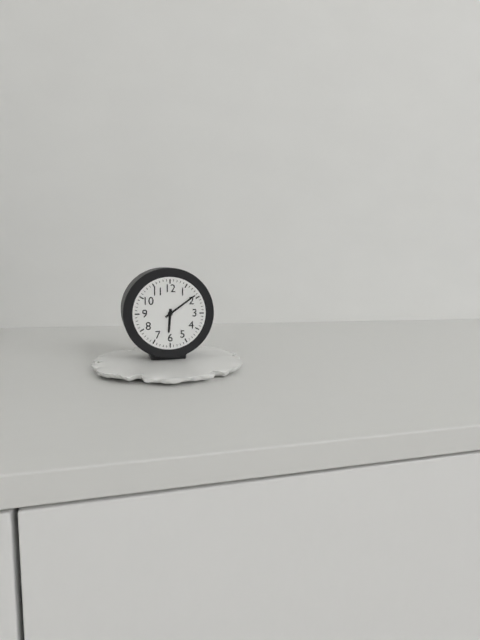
6,09
